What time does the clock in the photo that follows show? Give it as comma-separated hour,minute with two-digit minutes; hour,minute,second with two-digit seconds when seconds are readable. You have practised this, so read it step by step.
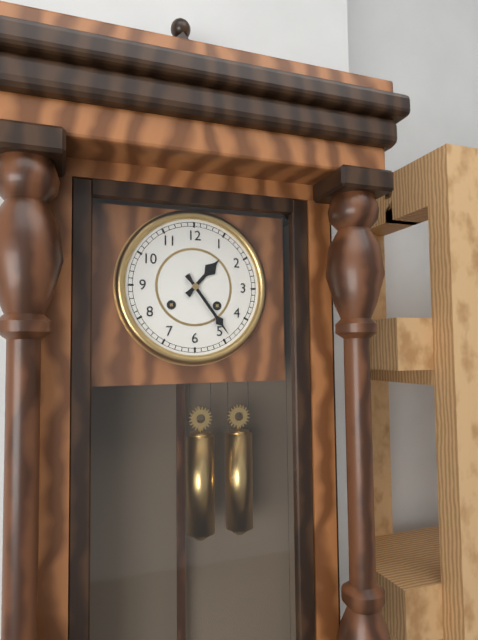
1,24
